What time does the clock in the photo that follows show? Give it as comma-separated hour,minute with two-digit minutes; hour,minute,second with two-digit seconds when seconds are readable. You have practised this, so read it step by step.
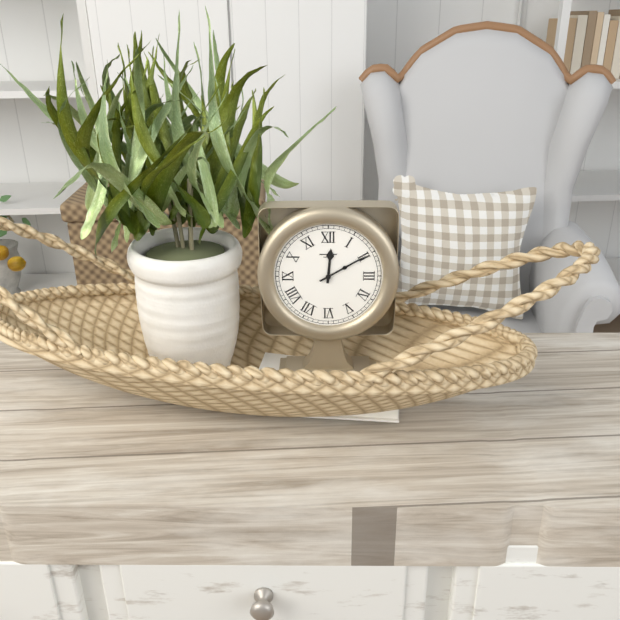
12,10
